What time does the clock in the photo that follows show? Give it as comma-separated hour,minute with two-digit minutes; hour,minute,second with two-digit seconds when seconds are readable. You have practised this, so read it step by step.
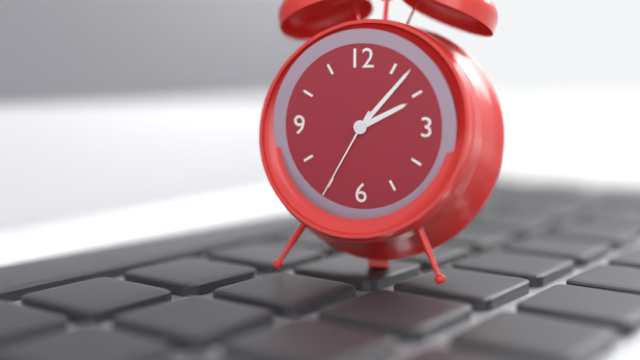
2,07,35
